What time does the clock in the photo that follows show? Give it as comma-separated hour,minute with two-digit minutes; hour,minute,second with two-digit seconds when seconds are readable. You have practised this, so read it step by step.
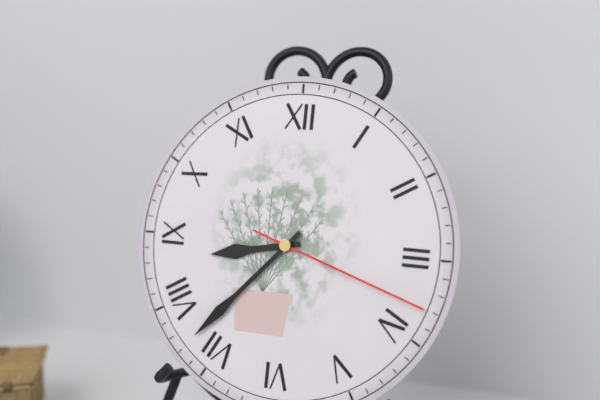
8,37,18
